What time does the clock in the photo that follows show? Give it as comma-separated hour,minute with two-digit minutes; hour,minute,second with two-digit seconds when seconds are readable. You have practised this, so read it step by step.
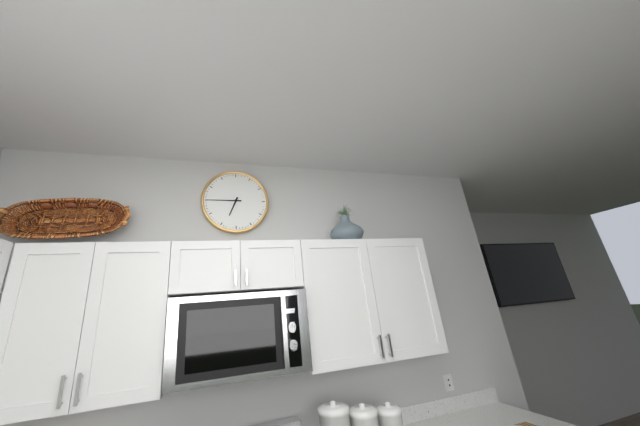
6,45
